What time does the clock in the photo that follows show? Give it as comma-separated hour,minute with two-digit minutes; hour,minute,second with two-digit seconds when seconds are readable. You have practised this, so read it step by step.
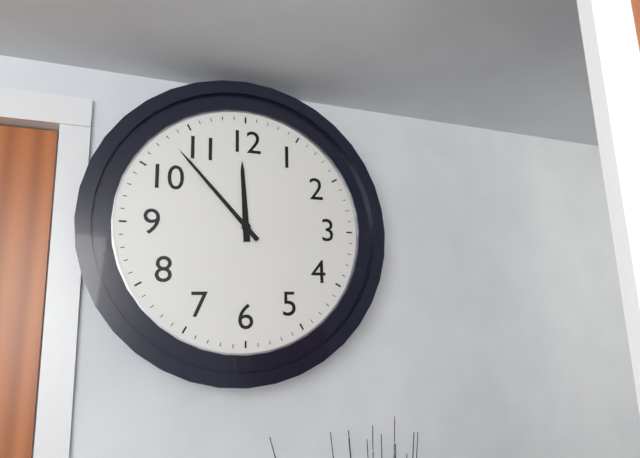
11,53
